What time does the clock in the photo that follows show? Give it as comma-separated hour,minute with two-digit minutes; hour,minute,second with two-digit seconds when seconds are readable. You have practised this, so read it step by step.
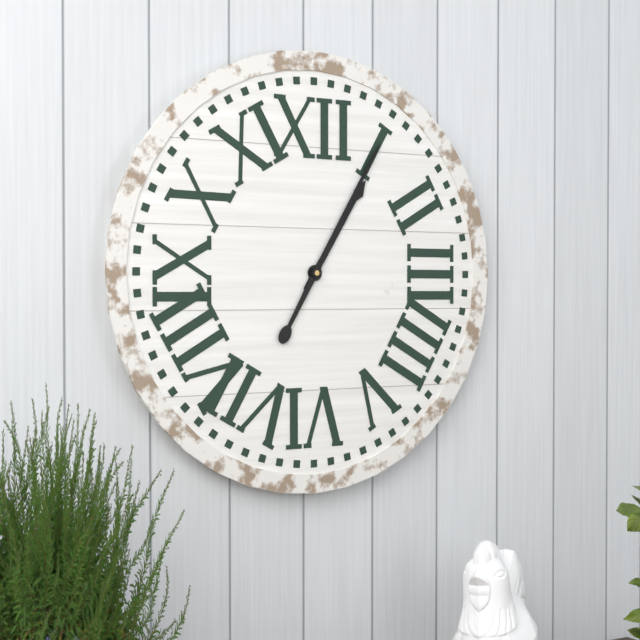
1,05
